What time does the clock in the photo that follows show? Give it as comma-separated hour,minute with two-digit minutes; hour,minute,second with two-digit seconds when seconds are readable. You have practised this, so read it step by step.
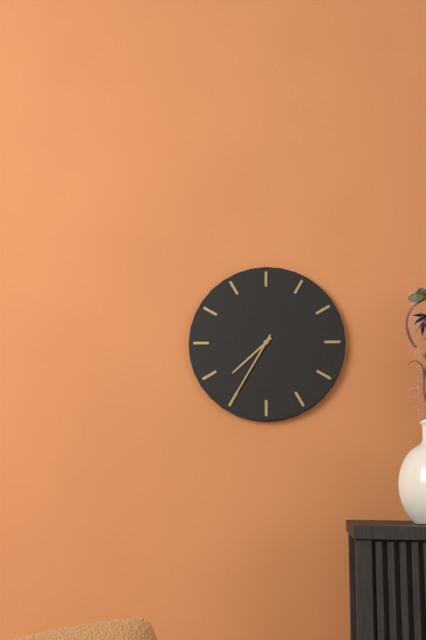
7,35
